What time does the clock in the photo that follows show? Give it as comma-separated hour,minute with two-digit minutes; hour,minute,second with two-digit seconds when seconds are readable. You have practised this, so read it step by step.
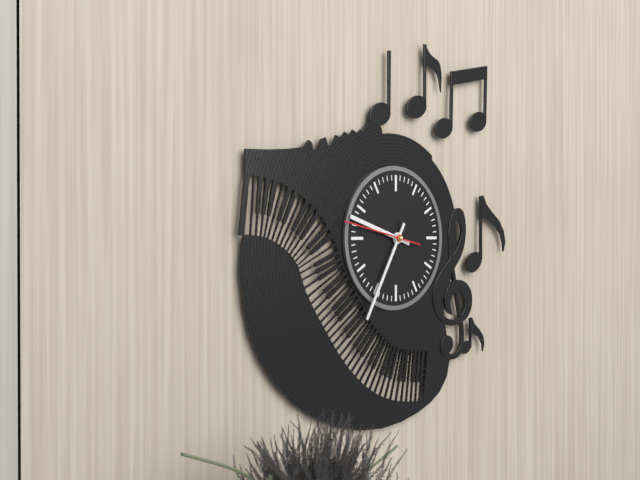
9,35,47
